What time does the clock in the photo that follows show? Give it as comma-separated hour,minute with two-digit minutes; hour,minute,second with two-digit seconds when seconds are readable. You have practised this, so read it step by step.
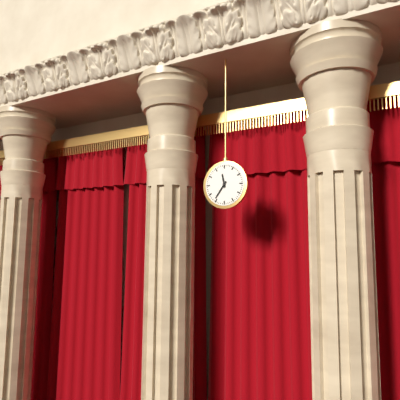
11,36
